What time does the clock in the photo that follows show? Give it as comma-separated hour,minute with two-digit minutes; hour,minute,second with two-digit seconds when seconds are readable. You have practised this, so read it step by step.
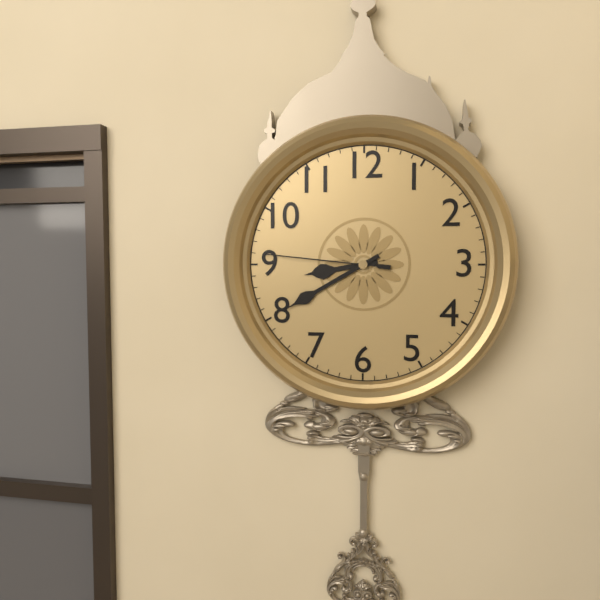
8,40,46
